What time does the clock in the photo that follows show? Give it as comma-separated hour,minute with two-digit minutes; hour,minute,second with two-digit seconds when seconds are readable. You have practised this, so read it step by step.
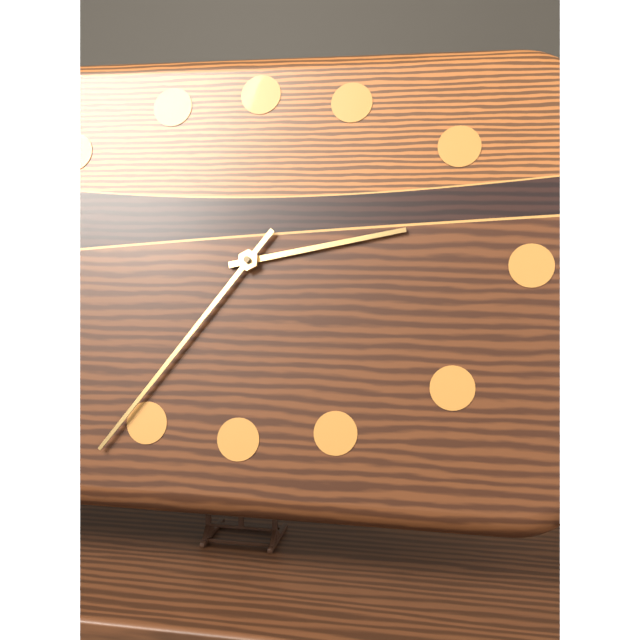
2,36
